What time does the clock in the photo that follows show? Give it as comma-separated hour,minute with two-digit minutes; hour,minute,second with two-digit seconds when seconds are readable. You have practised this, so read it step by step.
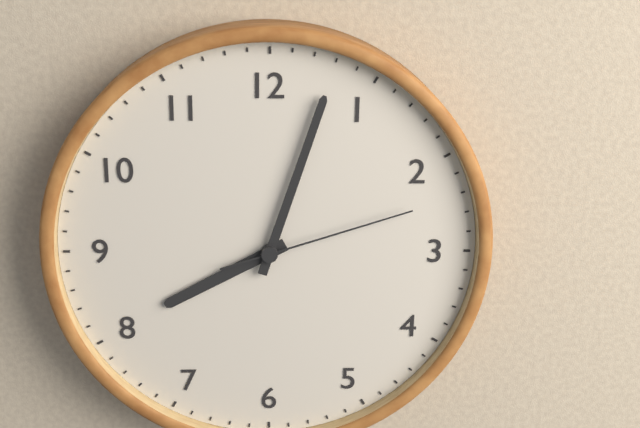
8,03,12
